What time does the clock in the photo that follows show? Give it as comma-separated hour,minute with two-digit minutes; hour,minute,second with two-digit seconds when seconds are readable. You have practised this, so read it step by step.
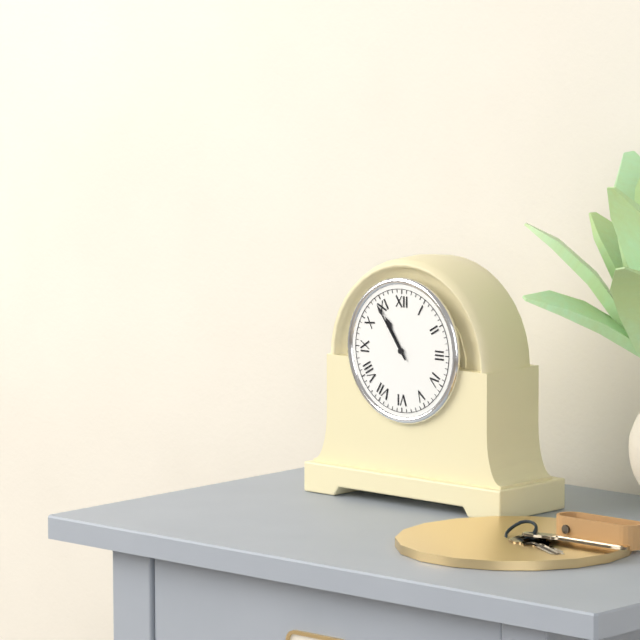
10,54
